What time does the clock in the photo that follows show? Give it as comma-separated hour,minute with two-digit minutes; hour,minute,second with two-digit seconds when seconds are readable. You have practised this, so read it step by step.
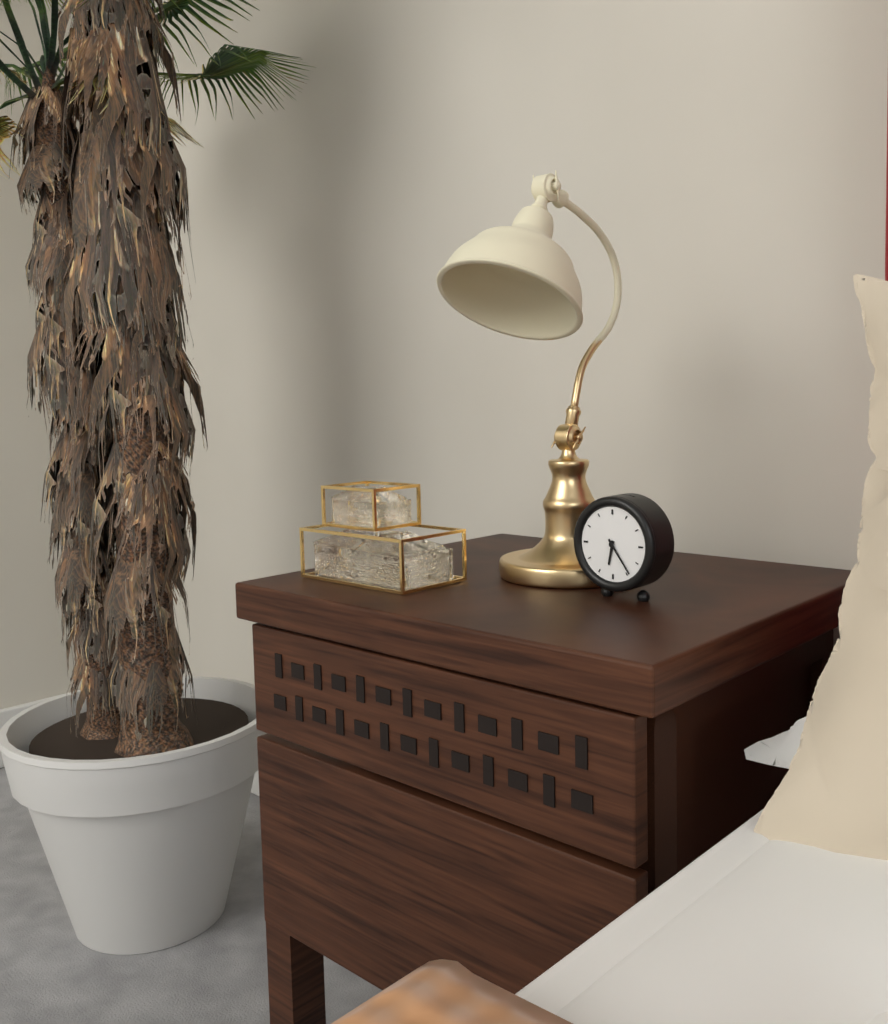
6,24
